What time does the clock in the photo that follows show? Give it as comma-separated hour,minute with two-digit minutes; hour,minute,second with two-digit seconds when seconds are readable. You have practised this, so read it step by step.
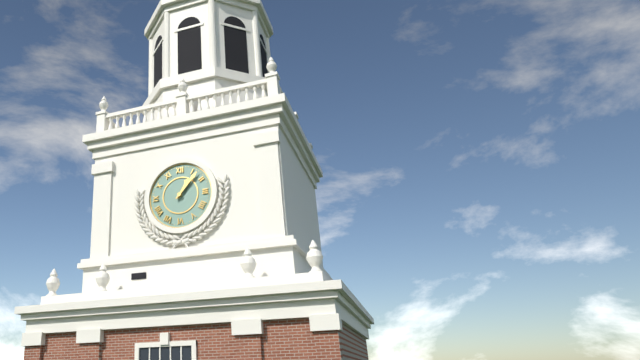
1,07
